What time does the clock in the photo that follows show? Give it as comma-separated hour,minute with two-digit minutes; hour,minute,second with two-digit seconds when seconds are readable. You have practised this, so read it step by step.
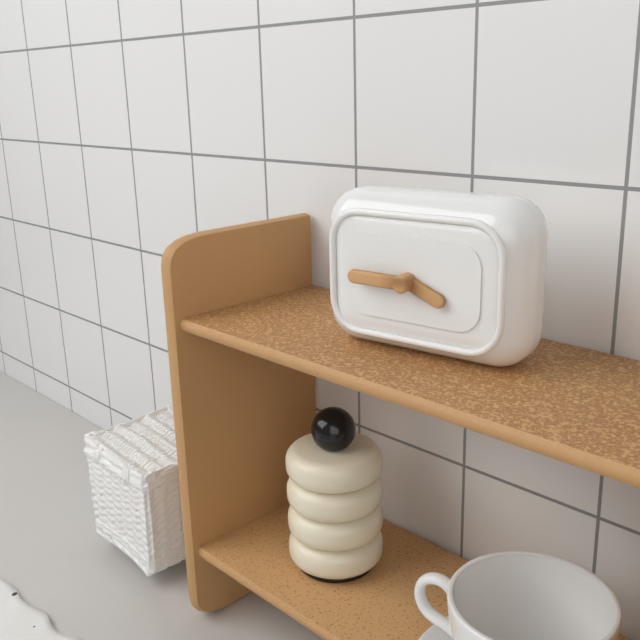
3,45
